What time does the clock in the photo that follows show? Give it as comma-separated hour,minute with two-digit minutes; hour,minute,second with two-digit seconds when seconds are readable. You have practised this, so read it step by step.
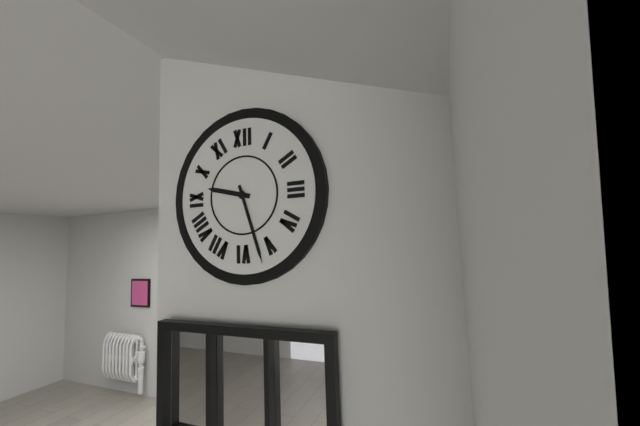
9,27
